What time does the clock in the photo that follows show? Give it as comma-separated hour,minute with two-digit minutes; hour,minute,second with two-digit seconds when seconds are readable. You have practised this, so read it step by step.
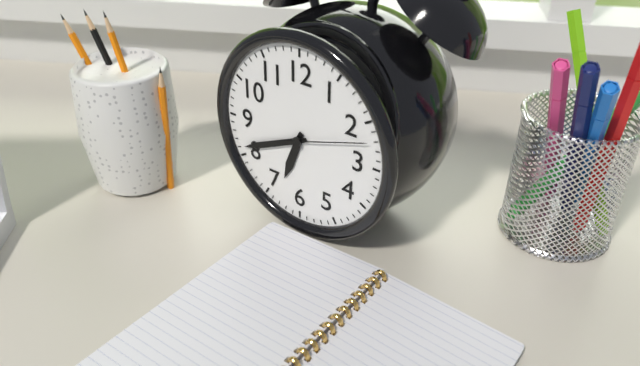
6,41,12
